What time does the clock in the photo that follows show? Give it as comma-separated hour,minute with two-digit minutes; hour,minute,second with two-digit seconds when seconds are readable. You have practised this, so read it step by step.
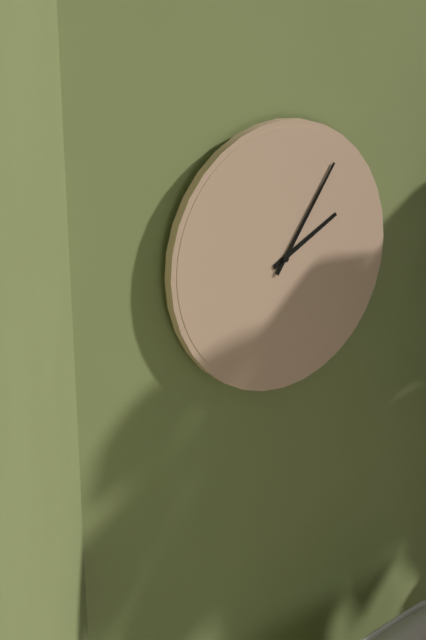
2,06
